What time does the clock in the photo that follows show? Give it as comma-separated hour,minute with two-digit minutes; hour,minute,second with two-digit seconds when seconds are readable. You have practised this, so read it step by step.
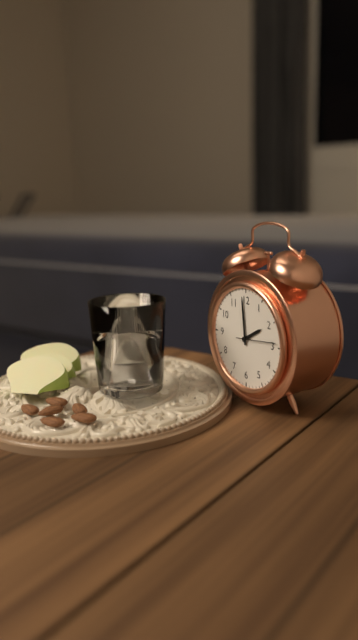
1,59
